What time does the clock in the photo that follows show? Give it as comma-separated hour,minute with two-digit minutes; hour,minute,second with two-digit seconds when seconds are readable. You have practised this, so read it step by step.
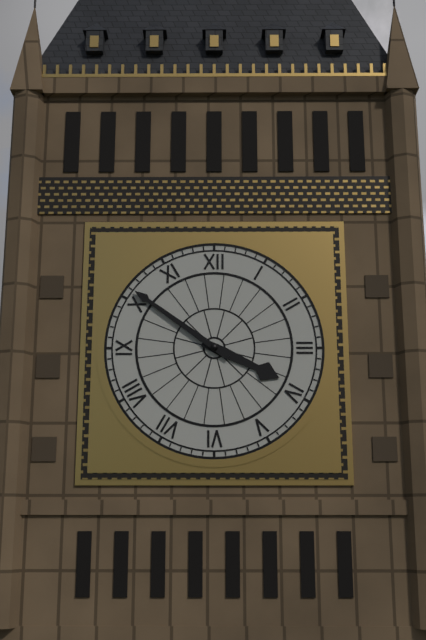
3,51
